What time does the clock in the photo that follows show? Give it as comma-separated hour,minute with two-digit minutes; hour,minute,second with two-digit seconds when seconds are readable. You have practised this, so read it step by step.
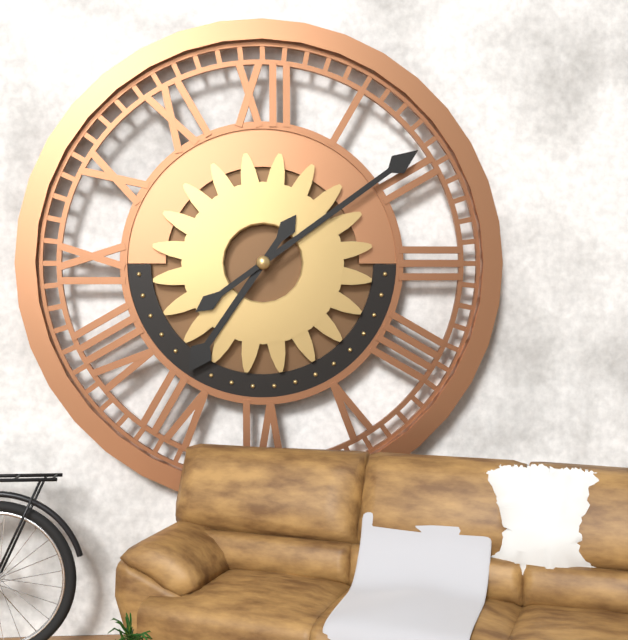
7,09
